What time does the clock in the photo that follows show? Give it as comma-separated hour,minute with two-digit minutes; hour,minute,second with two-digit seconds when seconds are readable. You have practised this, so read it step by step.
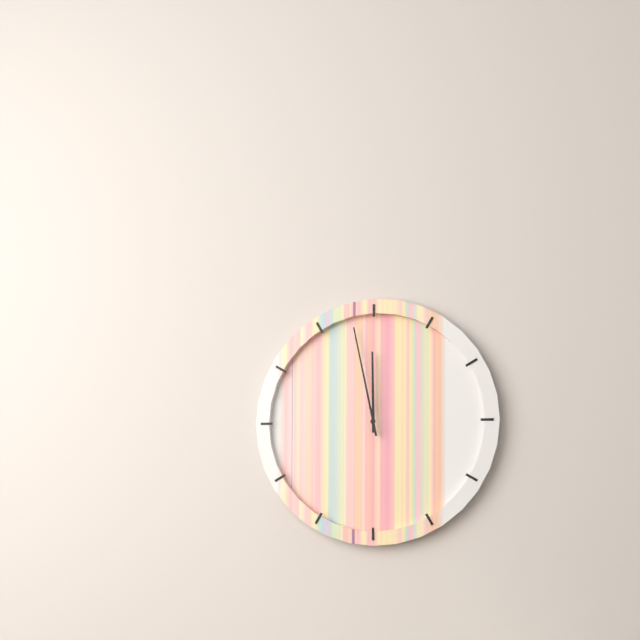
11,58
